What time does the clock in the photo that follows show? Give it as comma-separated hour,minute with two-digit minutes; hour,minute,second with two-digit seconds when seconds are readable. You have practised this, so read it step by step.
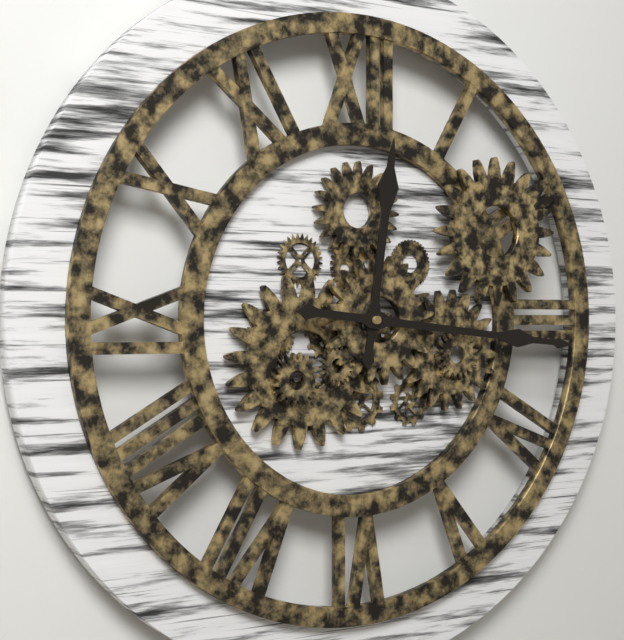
12,16
